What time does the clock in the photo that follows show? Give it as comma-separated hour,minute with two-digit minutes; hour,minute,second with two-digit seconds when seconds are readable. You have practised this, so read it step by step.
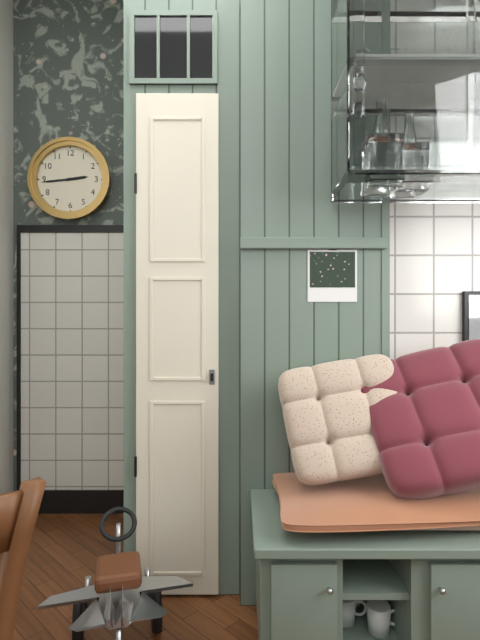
2,44
